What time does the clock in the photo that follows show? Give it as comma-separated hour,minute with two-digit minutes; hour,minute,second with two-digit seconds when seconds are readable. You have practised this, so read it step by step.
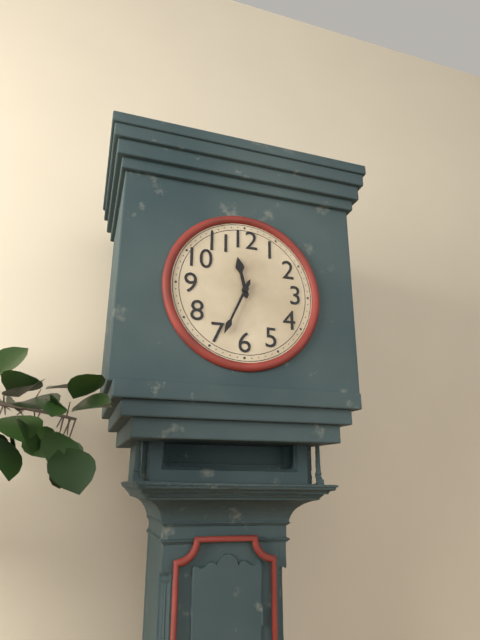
11,34
